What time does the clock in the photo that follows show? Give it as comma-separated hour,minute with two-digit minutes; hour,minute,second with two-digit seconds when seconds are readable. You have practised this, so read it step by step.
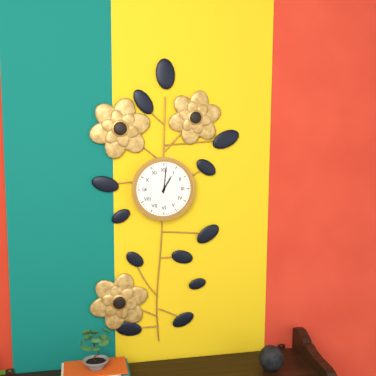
1,01
